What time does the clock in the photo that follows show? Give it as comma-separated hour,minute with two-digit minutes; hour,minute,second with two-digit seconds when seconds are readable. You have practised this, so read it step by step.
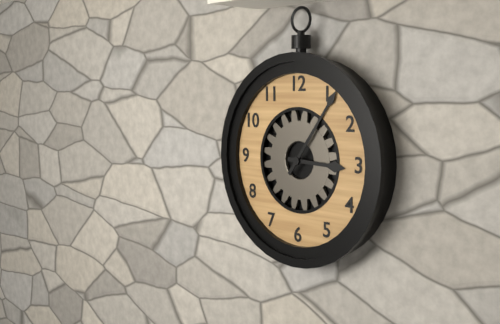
3,06
